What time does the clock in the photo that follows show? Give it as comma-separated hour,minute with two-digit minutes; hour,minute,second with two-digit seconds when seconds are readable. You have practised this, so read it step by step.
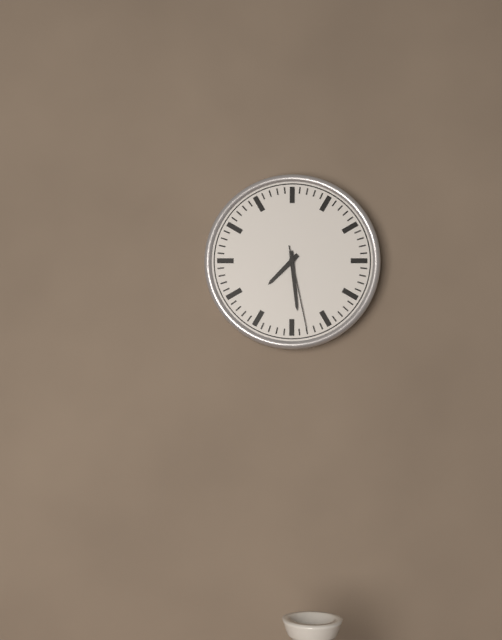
7,29,28
